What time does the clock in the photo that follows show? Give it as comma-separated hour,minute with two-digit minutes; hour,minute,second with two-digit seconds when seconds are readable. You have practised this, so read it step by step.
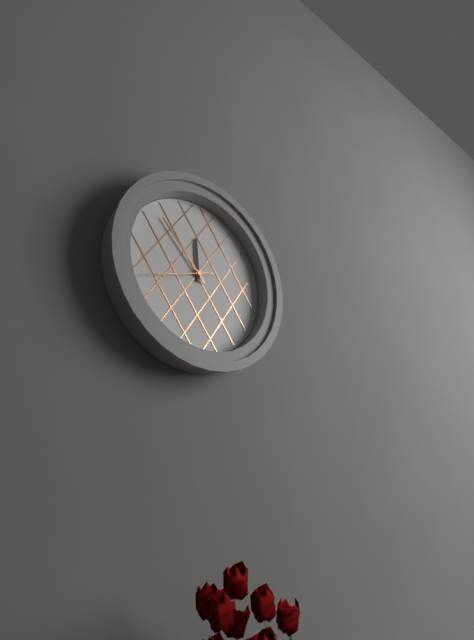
11,53,42
